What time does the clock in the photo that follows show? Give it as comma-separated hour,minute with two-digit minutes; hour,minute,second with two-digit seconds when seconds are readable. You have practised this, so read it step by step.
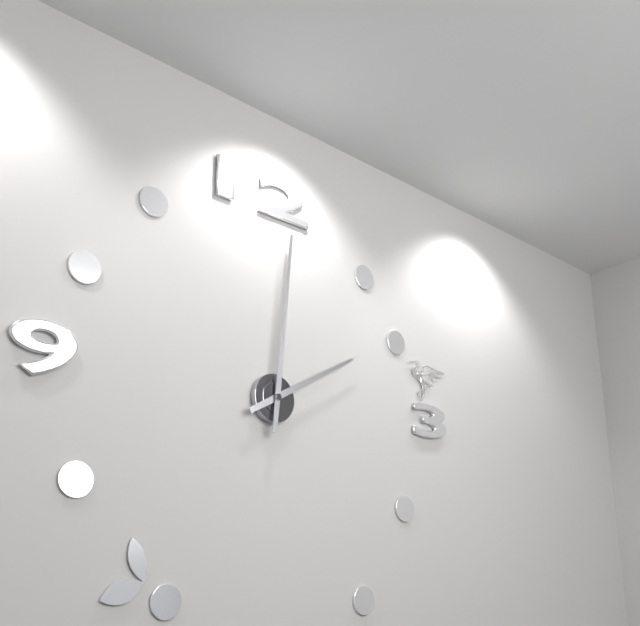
2,01
